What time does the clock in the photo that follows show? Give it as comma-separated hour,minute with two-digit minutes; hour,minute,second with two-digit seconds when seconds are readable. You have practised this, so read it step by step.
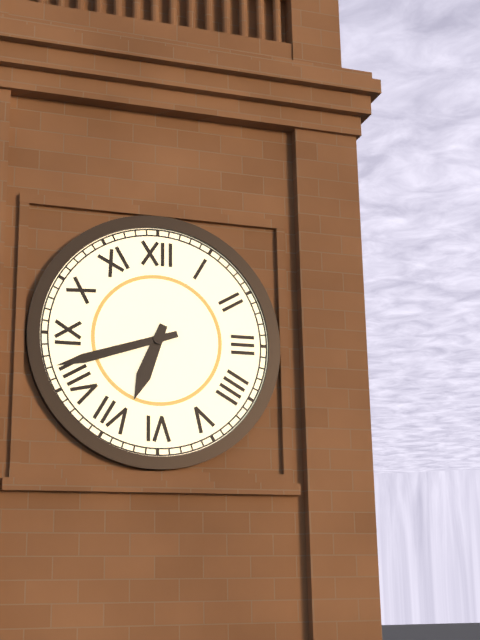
6,42
